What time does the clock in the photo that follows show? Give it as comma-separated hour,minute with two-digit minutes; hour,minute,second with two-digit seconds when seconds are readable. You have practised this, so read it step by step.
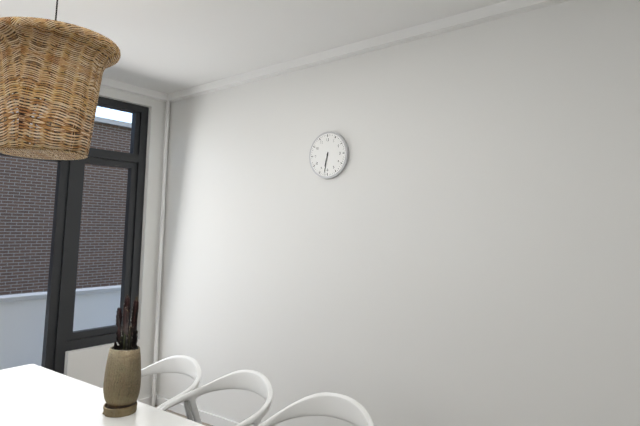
6,32
